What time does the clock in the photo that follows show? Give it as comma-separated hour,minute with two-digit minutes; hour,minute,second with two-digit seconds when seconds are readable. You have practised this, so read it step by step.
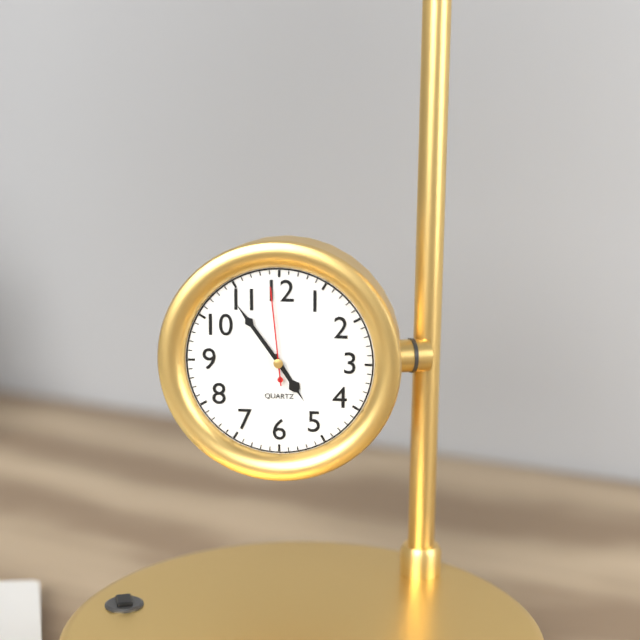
4,54,59
